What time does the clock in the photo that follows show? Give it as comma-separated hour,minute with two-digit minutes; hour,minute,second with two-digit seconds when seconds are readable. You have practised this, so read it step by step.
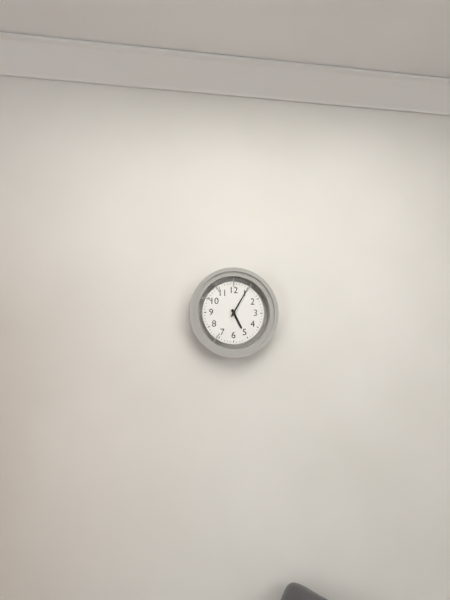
5,05
